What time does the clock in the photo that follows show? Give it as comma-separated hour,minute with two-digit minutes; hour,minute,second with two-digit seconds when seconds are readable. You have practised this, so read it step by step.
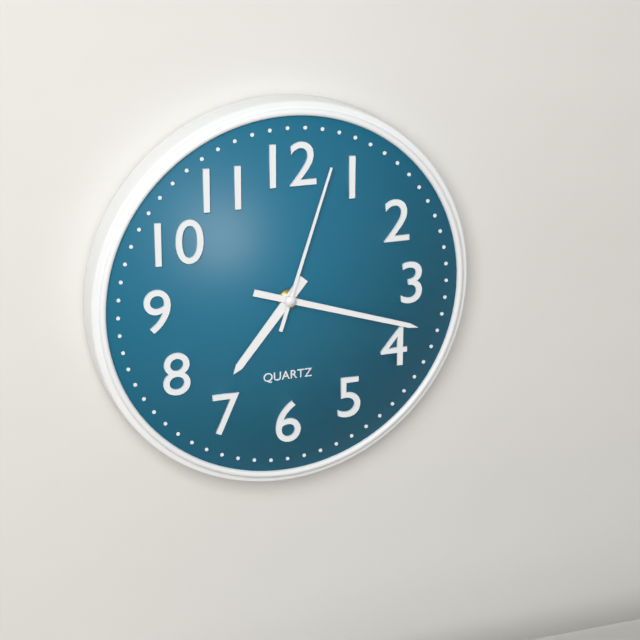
7,18,03
